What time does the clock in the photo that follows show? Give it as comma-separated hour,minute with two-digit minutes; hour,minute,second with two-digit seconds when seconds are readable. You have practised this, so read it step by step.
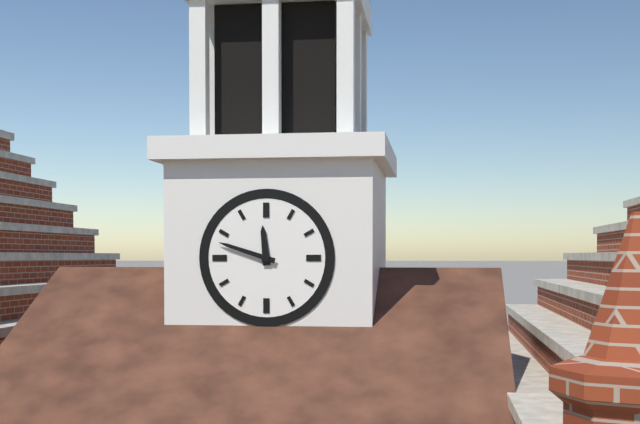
11,48
